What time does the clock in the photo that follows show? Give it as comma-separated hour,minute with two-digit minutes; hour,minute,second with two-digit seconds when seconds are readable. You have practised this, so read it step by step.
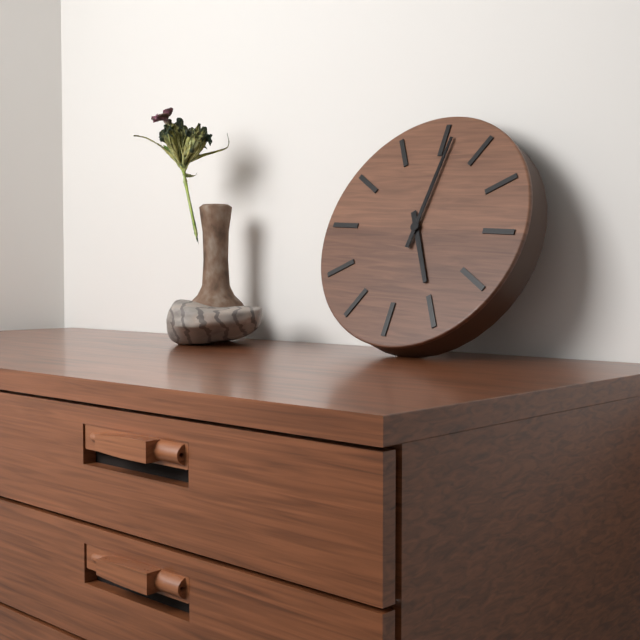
5,01
